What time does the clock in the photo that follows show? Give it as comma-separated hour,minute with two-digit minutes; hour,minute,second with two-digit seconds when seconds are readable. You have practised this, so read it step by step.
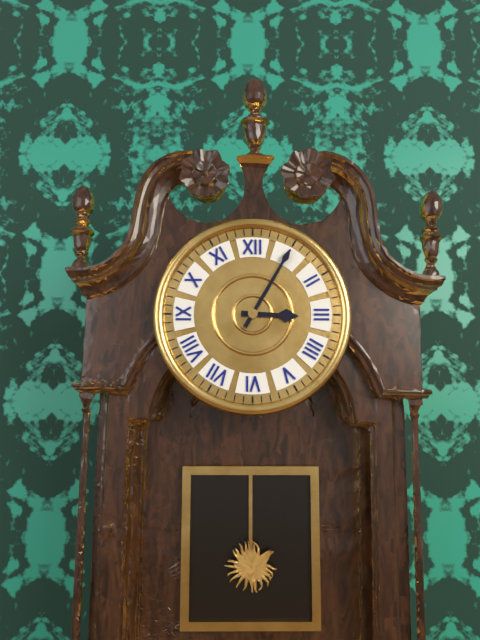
3,05
